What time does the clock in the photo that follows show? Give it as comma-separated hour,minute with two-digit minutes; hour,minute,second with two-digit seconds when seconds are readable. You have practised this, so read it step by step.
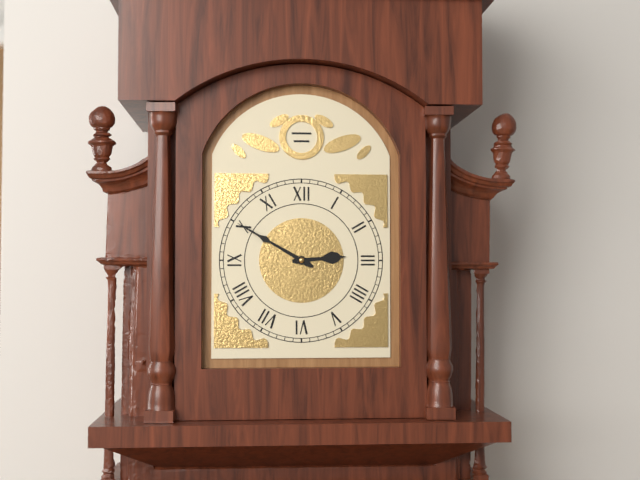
2,50
